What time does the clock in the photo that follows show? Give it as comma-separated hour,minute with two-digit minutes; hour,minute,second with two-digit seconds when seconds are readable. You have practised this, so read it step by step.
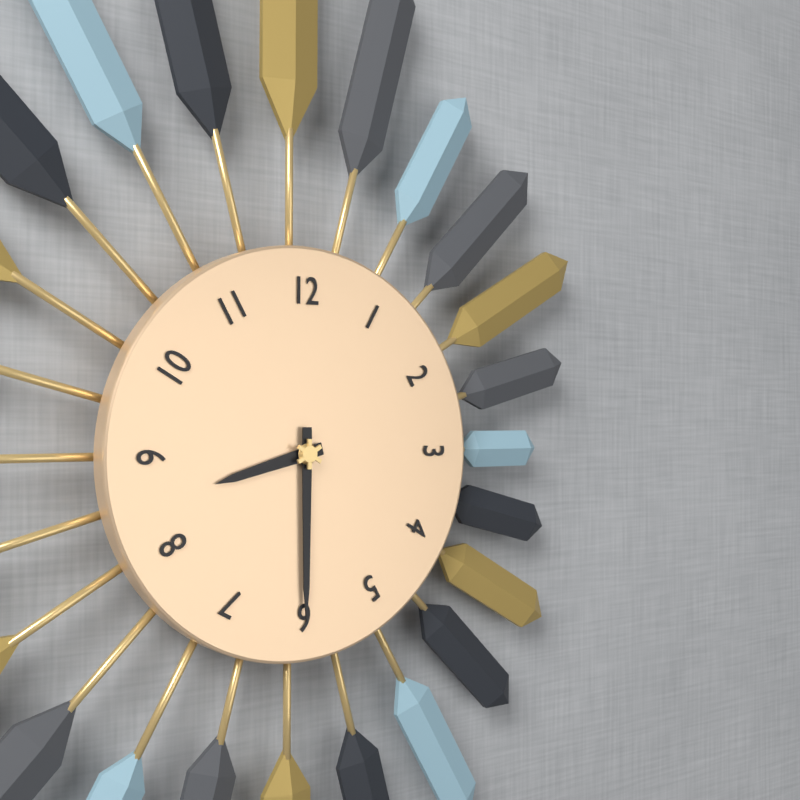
8,30
